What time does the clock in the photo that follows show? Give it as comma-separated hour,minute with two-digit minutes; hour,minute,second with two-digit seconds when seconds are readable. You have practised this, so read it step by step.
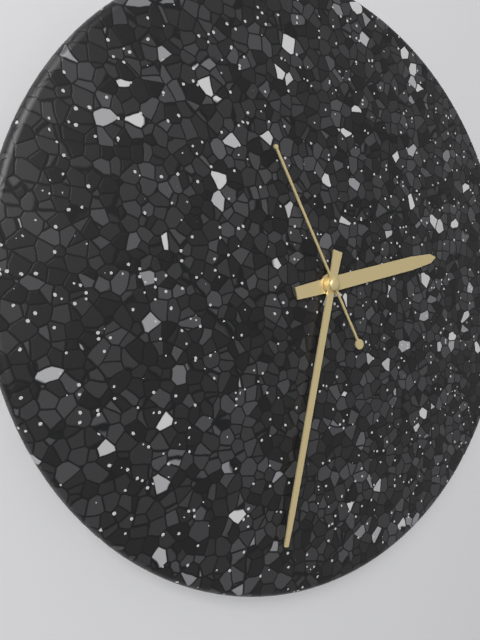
2,32,55
